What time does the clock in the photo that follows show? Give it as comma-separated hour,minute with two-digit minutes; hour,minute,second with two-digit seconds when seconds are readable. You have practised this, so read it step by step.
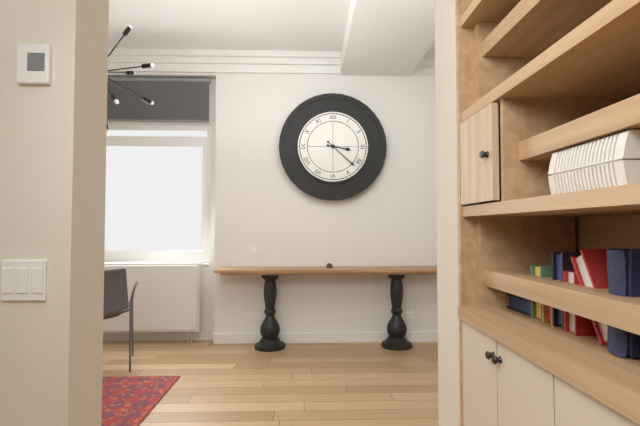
3,22
